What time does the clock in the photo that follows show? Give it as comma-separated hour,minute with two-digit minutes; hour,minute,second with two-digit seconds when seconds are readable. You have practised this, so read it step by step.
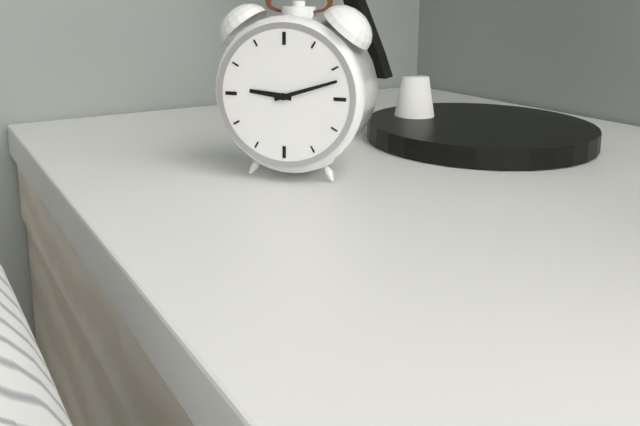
9,12
